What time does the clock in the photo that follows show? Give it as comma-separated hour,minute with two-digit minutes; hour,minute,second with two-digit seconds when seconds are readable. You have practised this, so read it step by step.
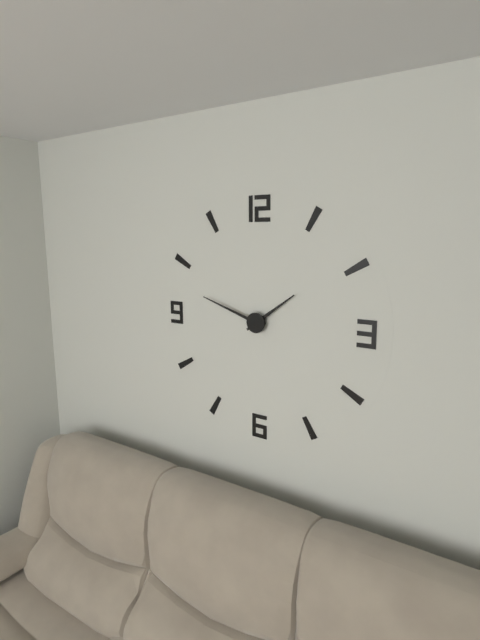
1,48
